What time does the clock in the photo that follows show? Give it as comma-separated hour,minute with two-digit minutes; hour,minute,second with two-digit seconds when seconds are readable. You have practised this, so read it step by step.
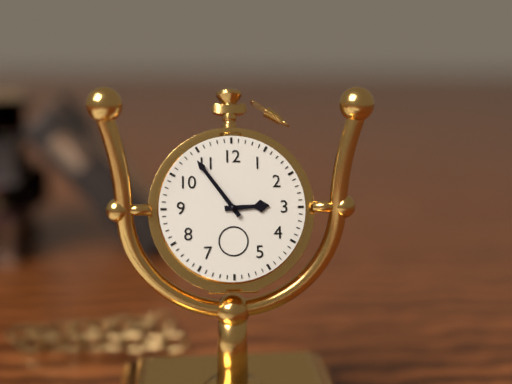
2,54
